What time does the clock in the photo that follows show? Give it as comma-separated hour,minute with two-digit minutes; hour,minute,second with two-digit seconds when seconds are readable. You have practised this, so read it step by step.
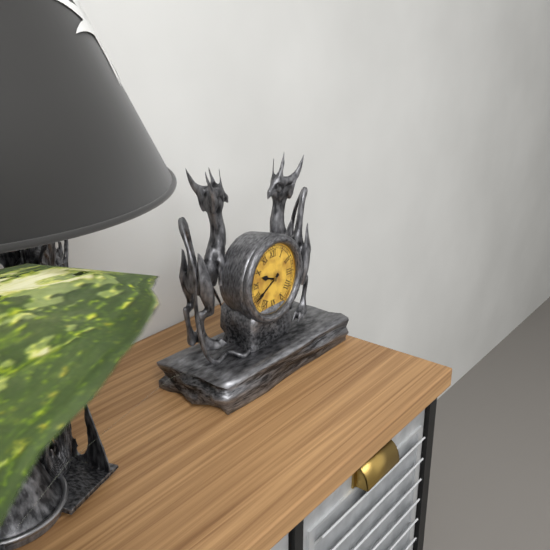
9,40
